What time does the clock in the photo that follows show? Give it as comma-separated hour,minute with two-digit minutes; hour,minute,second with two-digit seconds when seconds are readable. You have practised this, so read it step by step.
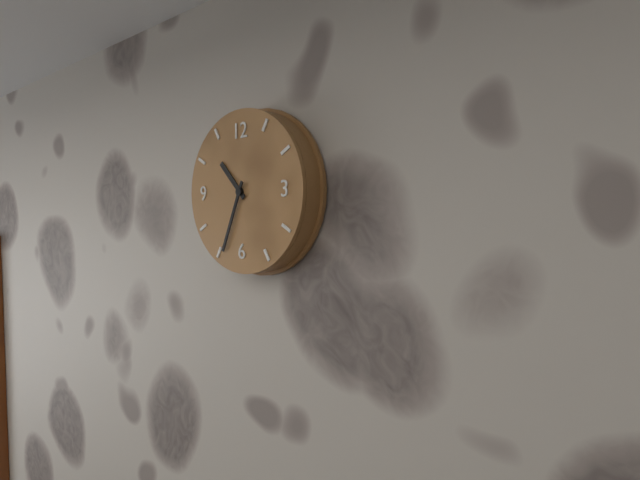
10,34
